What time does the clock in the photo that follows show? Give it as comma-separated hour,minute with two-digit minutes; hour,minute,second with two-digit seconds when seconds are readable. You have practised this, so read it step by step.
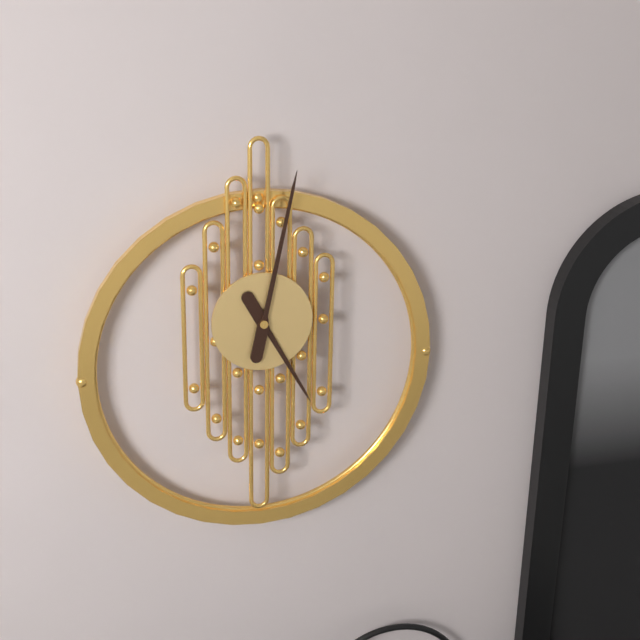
5,02
